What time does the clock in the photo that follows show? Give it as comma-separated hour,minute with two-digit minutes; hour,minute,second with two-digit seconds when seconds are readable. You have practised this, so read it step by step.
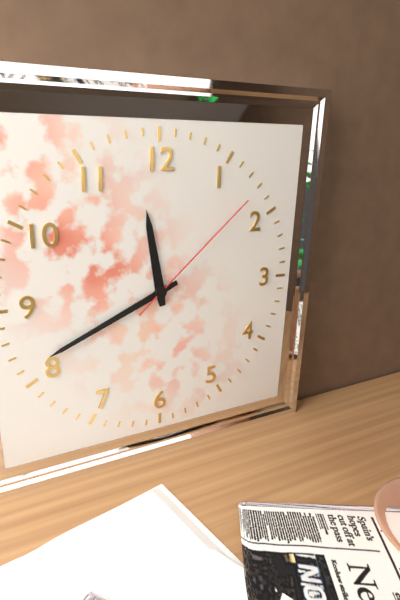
11,41,08
